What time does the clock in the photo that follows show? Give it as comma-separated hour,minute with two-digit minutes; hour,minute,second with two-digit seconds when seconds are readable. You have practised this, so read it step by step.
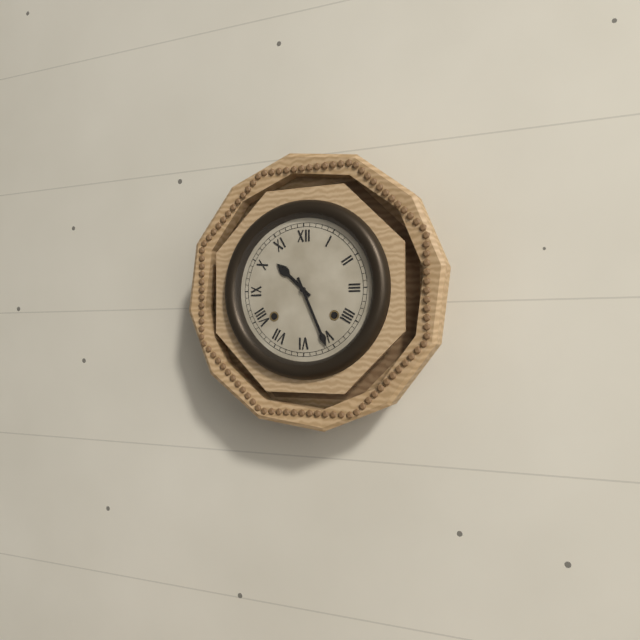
10,26
